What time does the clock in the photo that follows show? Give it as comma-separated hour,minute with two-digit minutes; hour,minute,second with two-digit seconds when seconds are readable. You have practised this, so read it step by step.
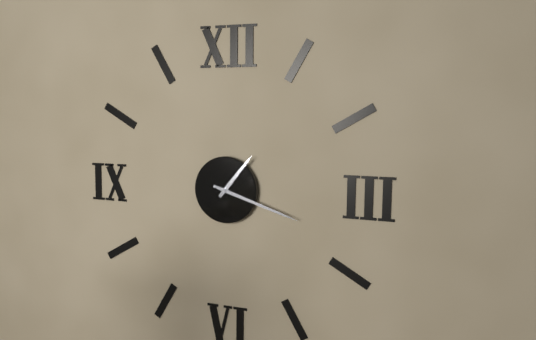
1,18
